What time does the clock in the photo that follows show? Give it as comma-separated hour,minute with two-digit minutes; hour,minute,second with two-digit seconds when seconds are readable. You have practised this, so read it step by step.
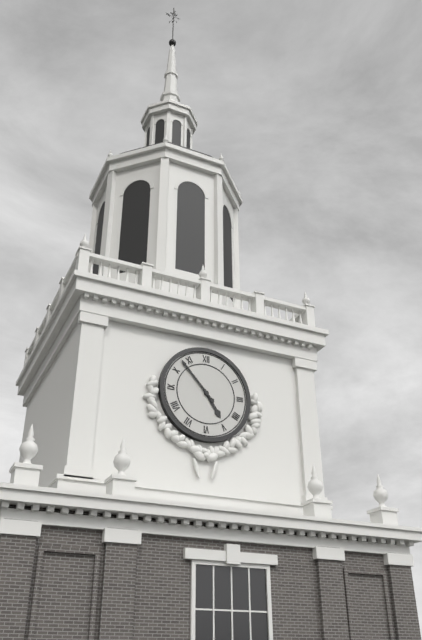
4,53
